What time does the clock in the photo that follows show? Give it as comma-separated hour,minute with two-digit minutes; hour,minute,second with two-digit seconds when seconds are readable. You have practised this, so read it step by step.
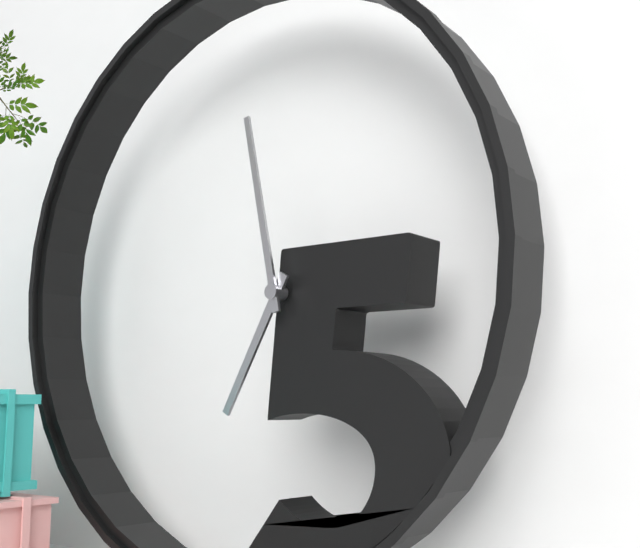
6,58
